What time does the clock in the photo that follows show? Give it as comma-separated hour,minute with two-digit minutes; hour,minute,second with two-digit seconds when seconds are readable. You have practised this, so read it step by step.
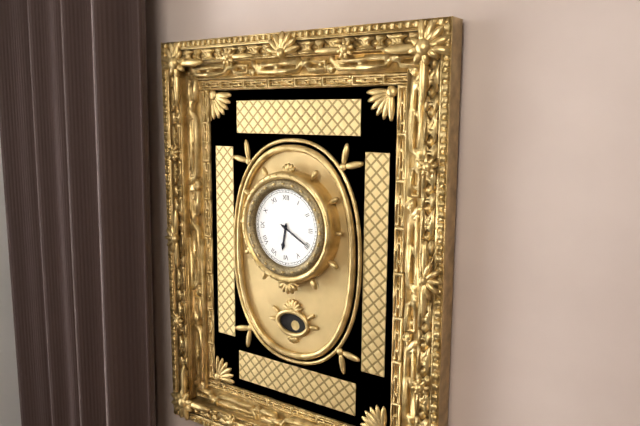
6,20
